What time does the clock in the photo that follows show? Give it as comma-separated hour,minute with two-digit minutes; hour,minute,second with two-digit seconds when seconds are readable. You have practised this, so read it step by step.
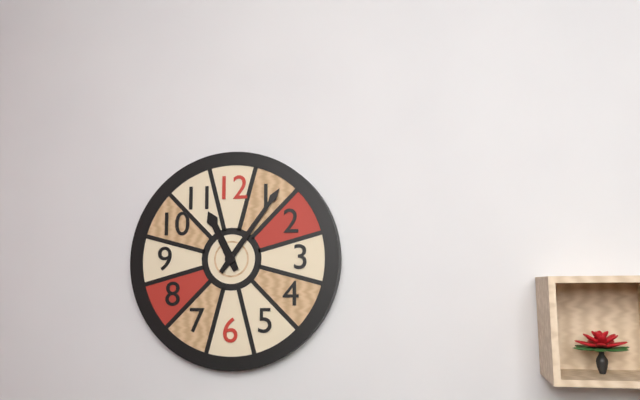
11,06
